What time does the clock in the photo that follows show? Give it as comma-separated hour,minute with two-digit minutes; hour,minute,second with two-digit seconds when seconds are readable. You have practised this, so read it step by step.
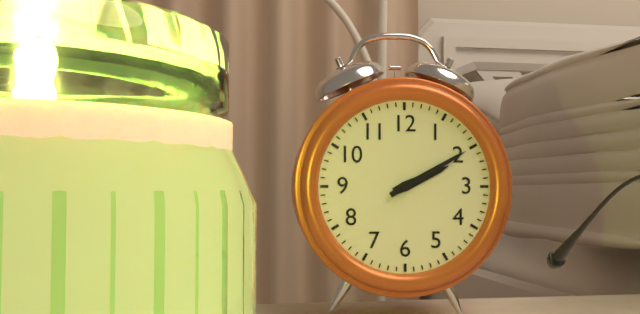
2,10
